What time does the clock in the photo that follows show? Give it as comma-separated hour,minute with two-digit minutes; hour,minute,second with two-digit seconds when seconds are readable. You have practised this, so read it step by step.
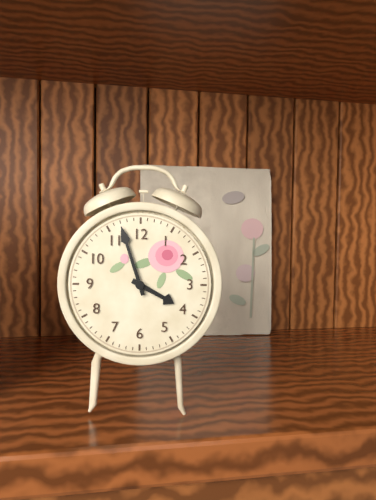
3,57
